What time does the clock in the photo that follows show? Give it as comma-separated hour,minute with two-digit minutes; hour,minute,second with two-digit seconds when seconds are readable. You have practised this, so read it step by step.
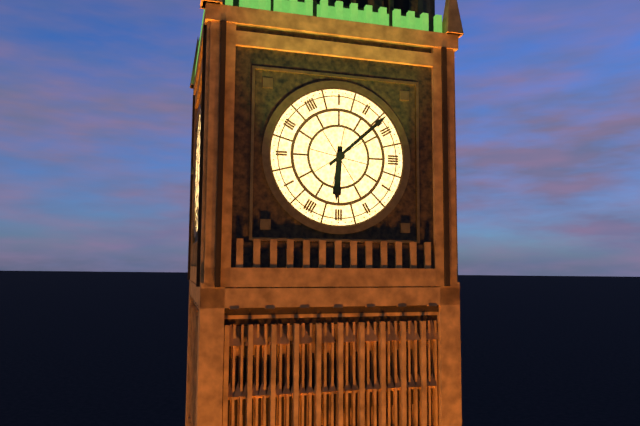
6,08
